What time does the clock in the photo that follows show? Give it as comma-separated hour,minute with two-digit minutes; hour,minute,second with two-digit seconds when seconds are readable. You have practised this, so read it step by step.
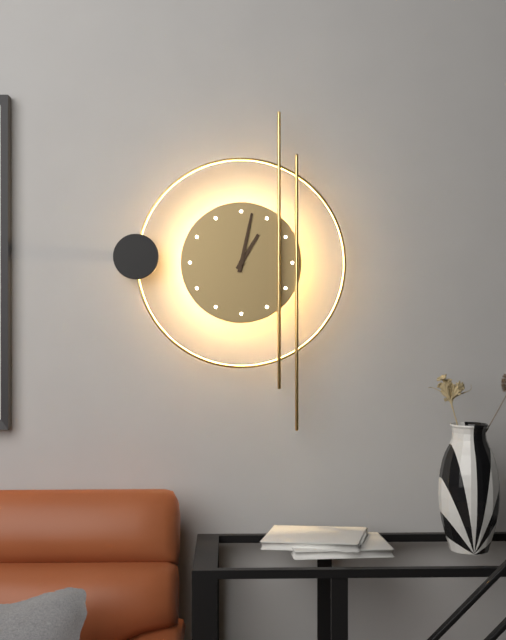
1,02
